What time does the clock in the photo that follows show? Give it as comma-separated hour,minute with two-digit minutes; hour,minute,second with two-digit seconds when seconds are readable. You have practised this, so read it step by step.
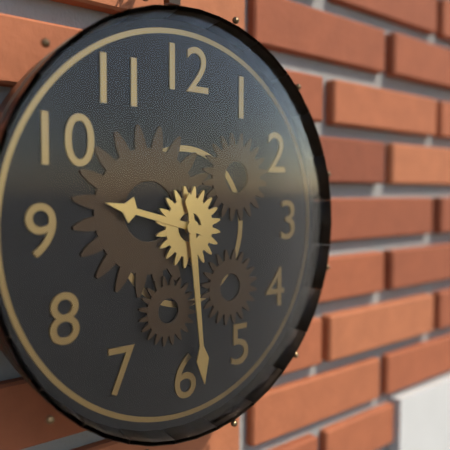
9,29
